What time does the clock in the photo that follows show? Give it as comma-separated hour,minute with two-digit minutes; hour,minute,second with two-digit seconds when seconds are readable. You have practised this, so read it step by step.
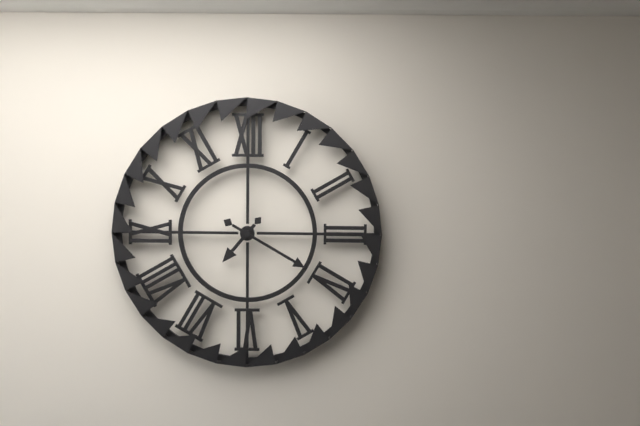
7,20
